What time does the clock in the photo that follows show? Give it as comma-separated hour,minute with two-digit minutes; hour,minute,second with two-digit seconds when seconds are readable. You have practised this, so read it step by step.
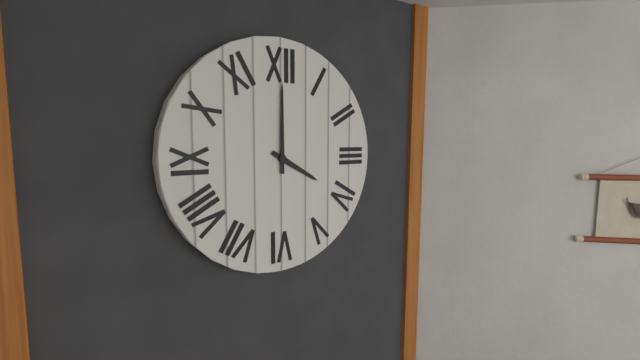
4,00
